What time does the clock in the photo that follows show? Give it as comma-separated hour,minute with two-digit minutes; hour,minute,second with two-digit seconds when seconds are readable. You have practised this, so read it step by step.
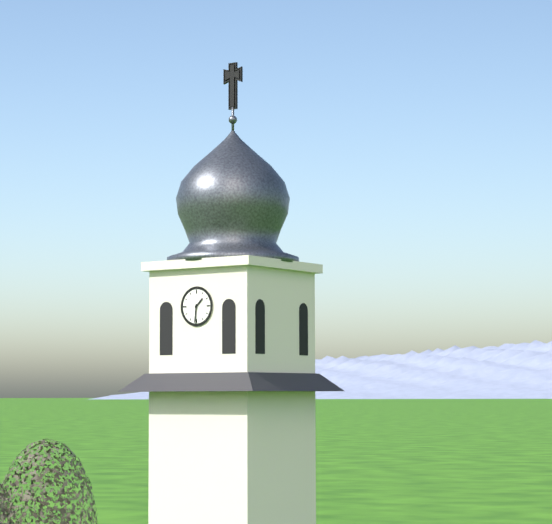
1,31
